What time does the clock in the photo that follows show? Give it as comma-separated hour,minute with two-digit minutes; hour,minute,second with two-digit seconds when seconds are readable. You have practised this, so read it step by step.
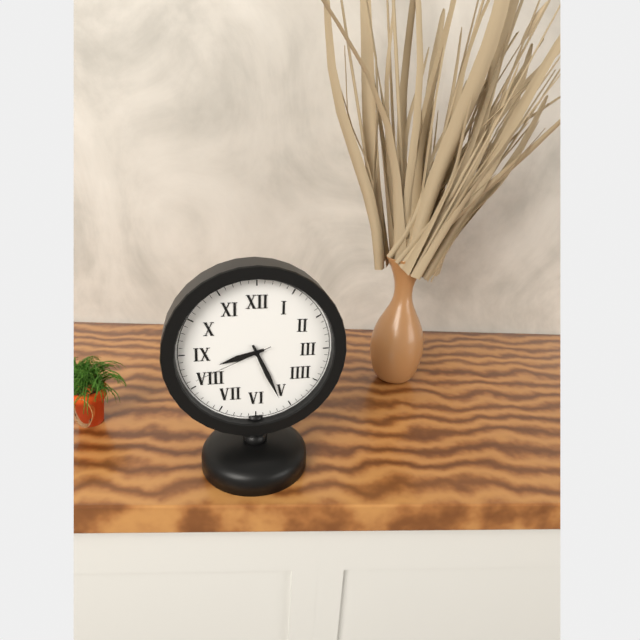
8,26,41
